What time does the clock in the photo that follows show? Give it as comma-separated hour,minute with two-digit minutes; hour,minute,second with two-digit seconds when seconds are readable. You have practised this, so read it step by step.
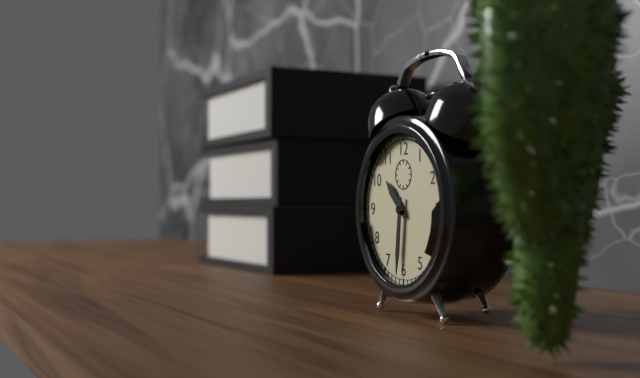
10,31
